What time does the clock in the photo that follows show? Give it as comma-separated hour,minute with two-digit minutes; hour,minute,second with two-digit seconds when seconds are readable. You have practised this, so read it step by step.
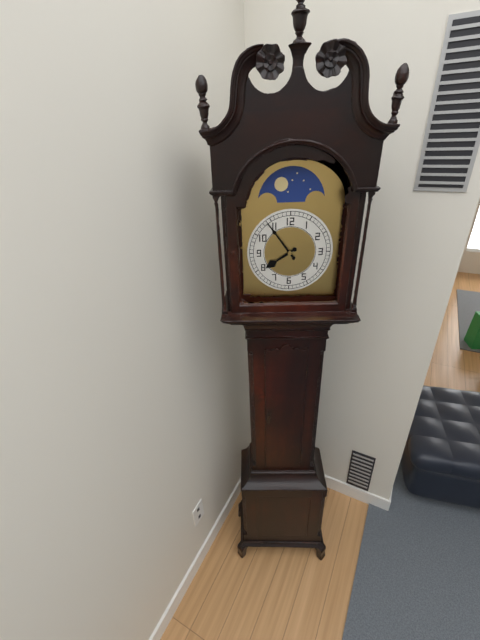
7,54
